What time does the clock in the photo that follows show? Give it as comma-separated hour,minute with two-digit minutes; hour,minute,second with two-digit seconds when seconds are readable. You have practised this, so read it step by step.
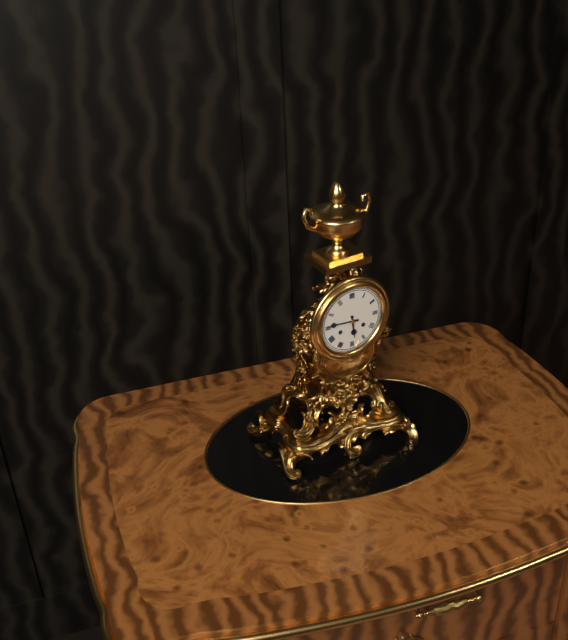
5,46
